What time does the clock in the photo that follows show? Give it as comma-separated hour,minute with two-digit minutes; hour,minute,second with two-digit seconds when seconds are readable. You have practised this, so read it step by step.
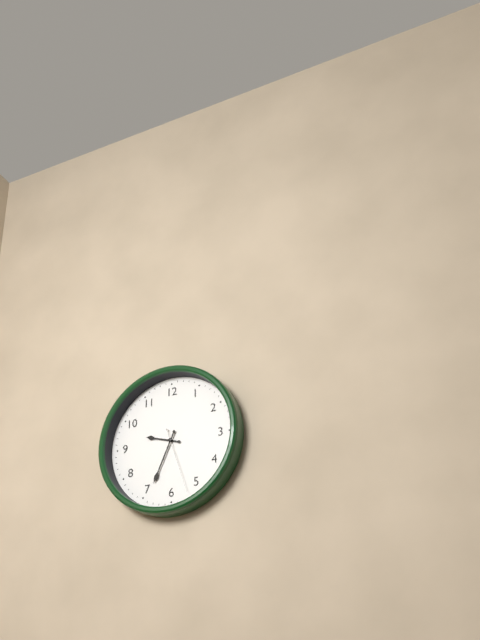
9,34,27
